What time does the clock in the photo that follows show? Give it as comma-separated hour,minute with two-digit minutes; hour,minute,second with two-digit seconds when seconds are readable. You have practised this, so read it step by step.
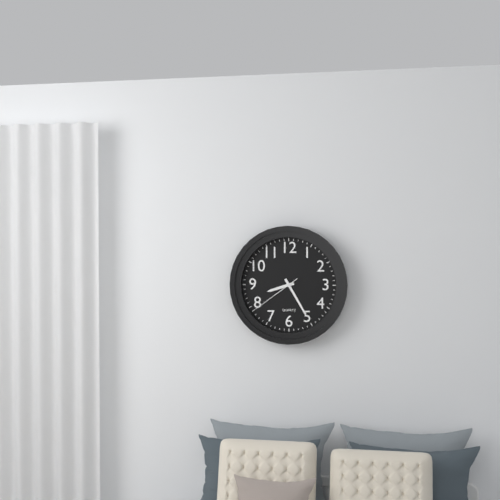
8,25,39
